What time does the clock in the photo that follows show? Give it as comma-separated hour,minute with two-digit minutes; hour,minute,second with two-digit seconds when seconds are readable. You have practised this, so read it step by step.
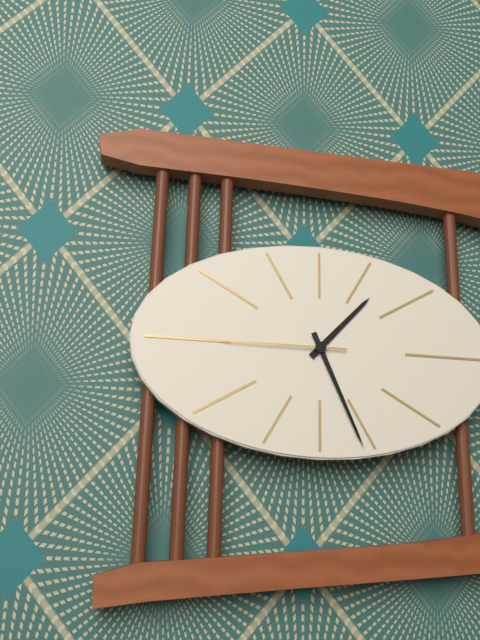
1,26,45
